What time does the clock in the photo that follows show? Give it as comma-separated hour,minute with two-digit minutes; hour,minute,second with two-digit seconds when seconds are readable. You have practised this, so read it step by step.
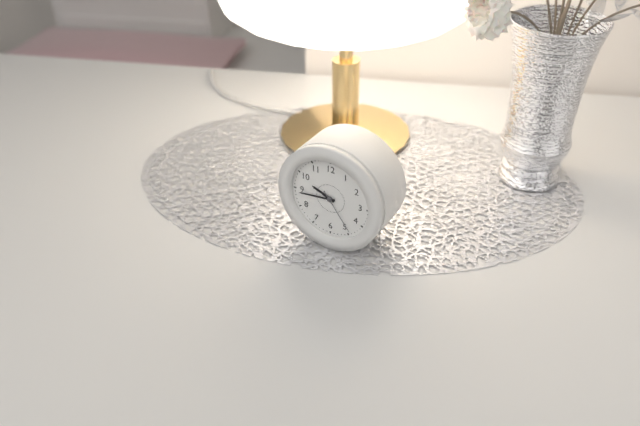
9,44
